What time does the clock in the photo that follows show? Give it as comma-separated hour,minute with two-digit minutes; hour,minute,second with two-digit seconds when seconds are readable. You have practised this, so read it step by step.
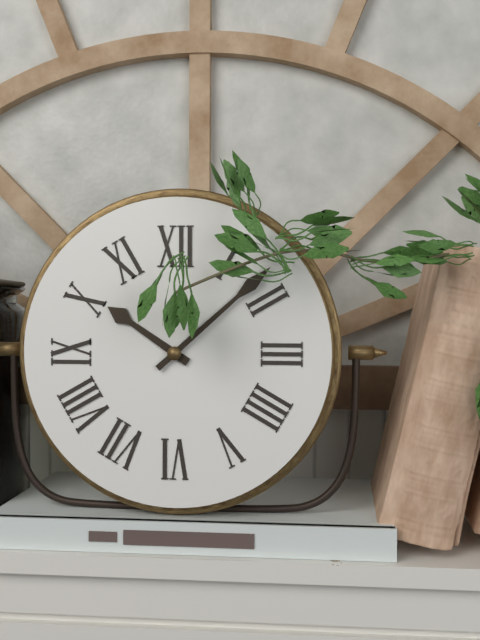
10,08
